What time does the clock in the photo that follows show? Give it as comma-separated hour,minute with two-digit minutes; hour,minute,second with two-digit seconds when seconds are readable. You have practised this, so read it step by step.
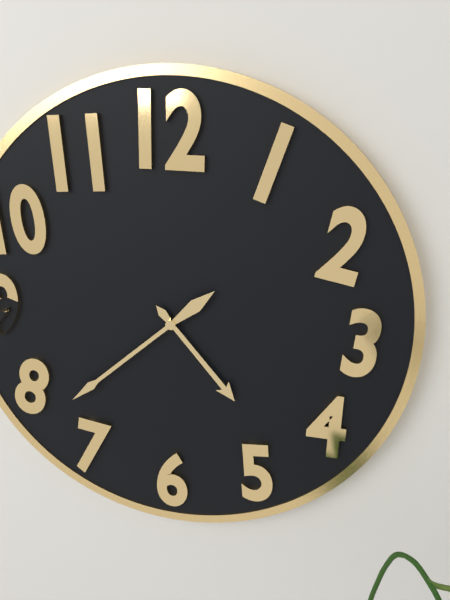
4,38
